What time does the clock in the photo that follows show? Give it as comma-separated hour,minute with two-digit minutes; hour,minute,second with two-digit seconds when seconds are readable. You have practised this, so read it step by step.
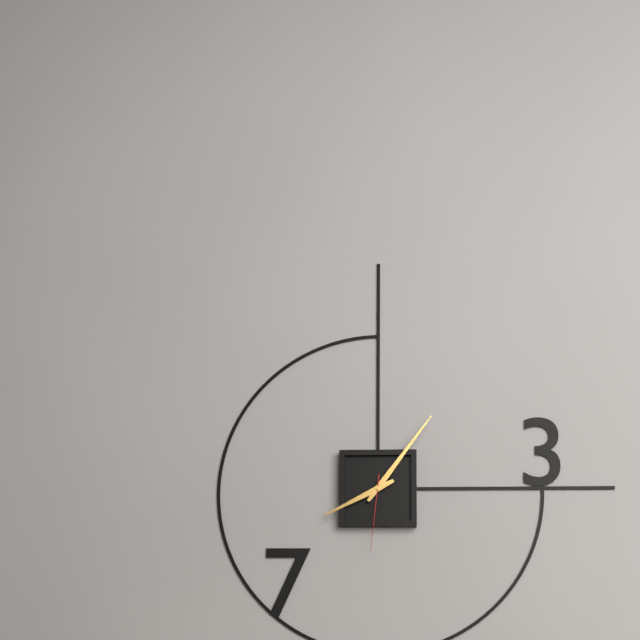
8,06,31
